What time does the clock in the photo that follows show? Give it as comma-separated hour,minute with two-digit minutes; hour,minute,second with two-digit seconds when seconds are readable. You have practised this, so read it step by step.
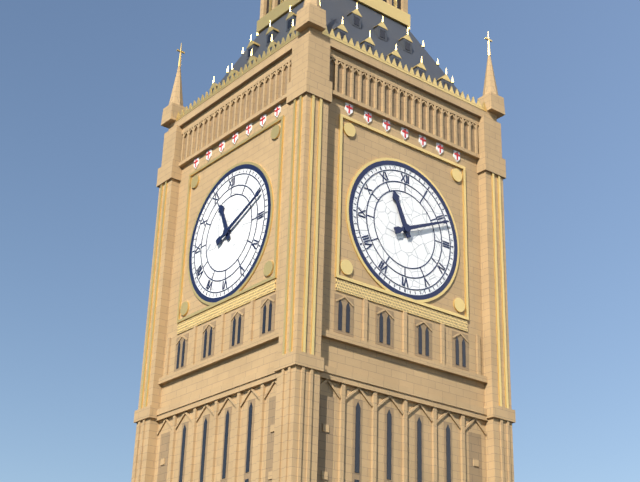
11,11
